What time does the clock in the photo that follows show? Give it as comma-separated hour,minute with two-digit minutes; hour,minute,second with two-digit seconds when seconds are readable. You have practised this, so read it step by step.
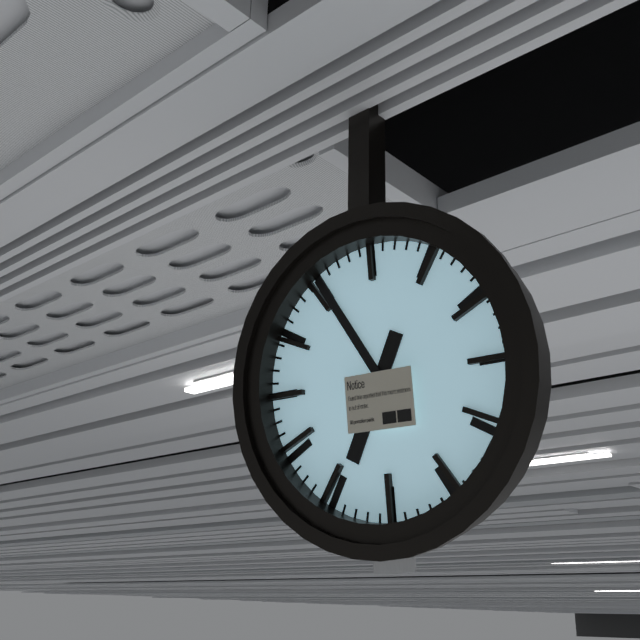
6,55
